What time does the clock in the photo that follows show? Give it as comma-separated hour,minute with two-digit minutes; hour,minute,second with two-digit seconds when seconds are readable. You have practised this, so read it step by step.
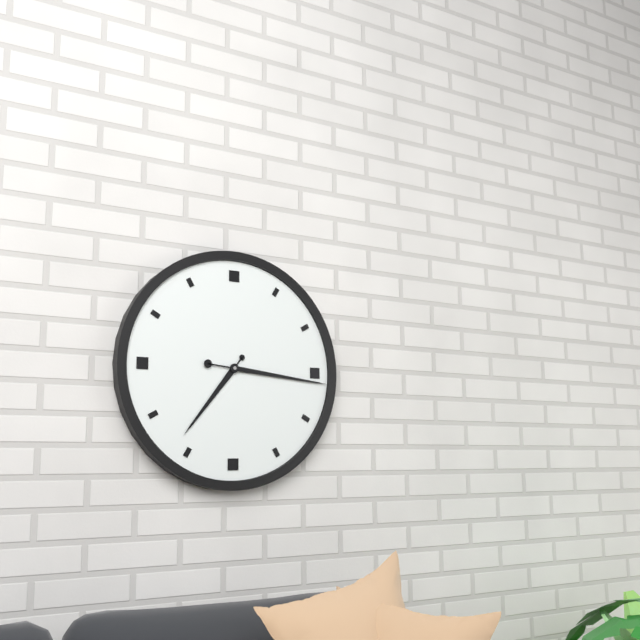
7,16
